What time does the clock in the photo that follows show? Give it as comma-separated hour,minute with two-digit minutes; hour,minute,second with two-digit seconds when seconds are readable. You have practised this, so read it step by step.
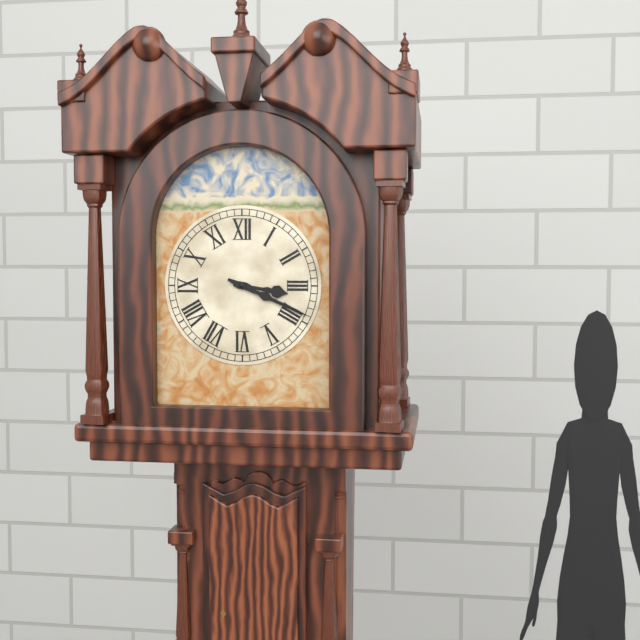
3,19
